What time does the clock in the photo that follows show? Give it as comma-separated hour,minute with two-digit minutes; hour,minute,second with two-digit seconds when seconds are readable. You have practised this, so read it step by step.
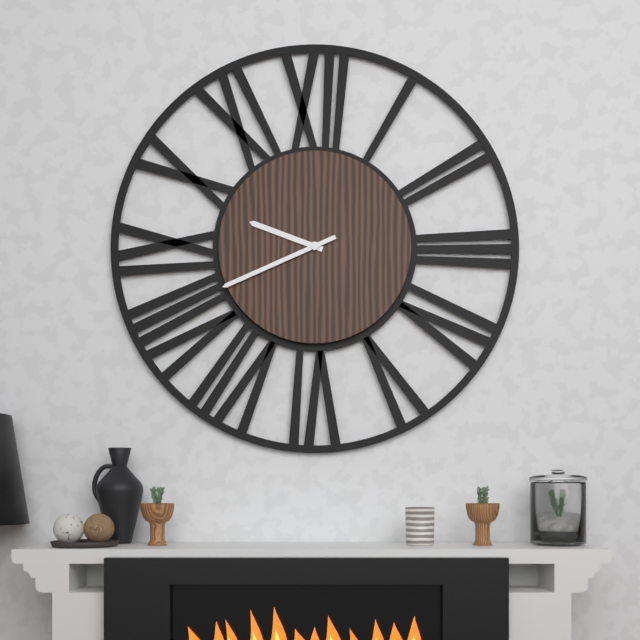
9,41
